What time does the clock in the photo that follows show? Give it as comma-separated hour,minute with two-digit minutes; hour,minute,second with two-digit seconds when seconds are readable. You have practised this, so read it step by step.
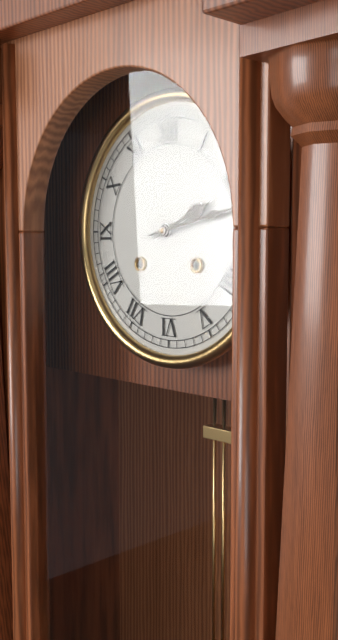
2,13
